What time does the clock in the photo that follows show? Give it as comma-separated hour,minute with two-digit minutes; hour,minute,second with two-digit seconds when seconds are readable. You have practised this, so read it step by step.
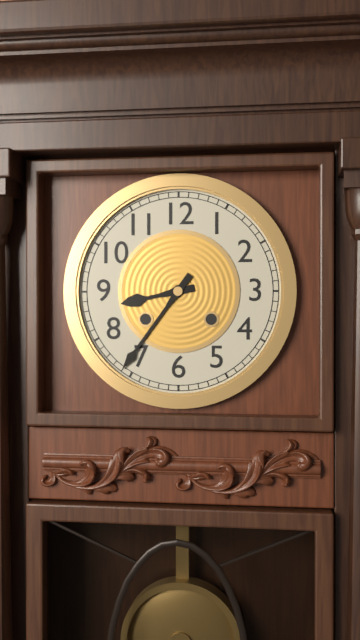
8,36
